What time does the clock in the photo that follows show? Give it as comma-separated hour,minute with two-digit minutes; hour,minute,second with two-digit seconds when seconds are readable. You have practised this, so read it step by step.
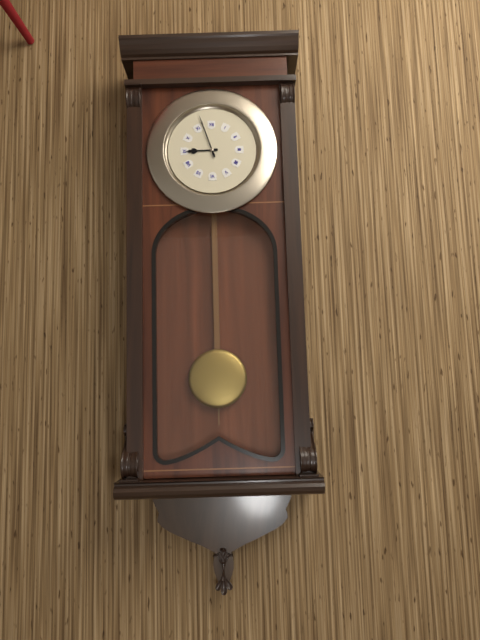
8,57
